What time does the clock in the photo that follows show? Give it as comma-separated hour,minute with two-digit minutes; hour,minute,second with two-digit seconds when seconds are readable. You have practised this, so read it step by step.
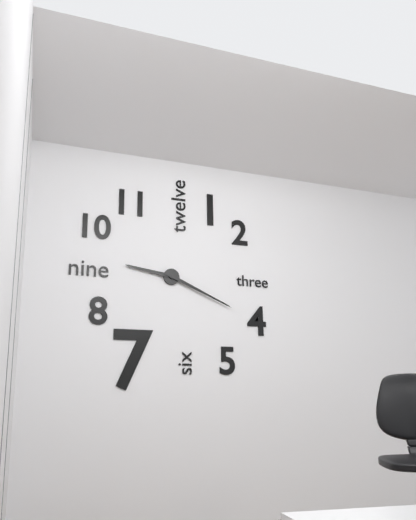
9,19
